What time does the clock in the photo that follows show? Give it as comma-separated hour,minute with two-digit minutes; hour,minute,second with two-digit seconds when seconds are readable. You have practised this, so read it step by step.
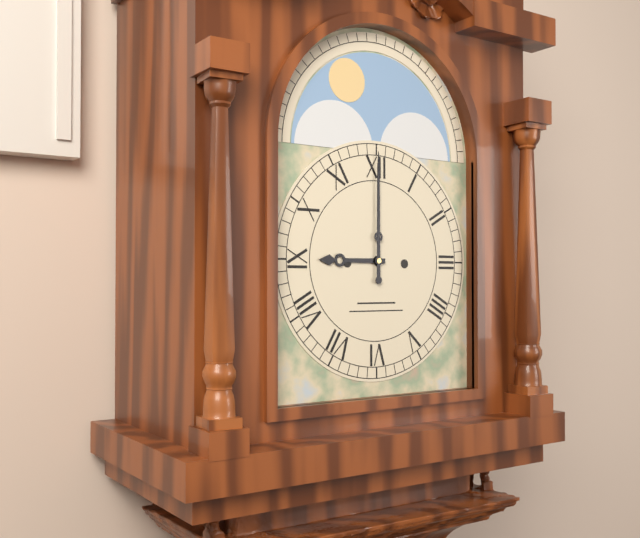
9,00
